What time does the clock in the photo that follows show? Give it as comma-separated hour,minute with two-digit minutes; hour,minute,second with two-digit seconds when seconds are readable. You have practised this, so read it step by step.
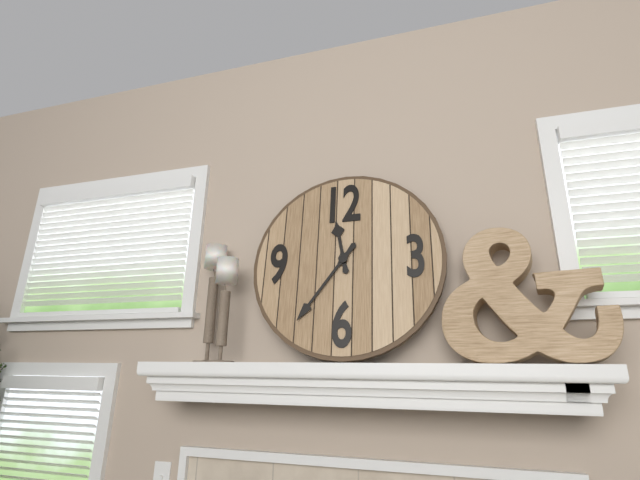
11,36
